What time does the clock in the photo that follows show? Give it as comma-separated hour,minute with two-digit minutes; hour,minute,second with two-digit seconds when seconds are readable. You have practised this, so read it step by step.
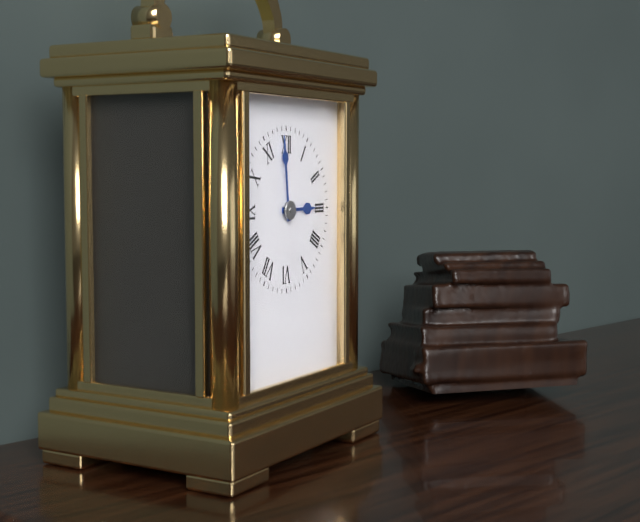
2,59
